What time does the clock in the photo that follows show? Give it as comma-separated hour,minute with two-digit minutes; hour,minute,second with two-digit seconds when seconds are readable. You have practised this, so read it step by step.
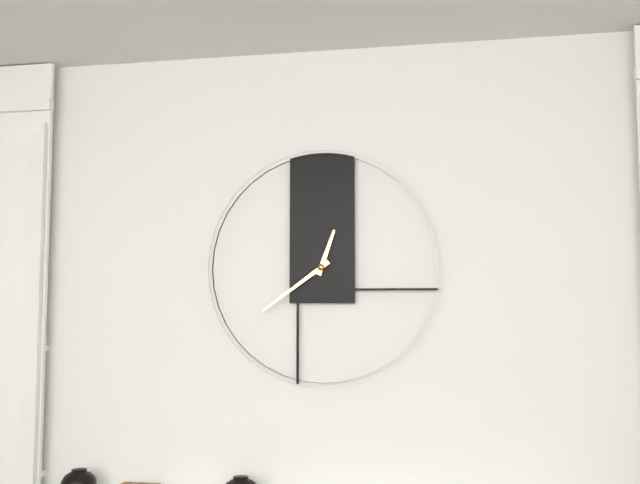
12,39
